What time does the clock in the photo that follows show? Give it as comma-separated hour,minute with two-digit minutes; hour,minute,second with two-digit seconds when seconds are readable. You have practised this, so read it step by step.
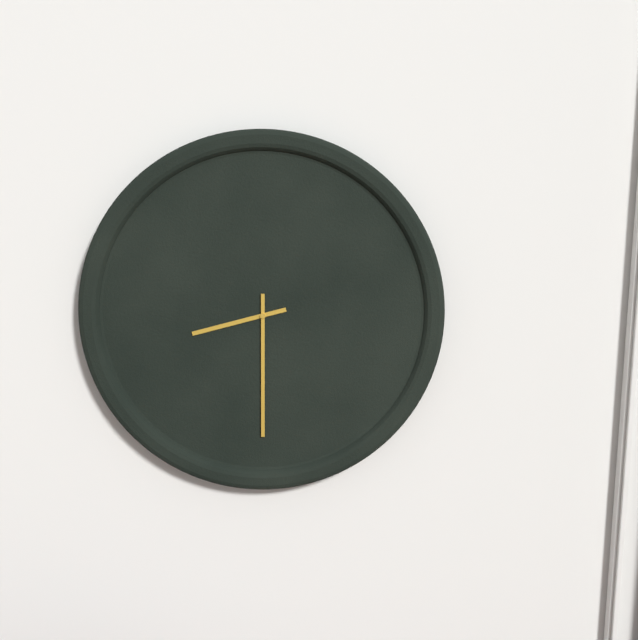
8,30
